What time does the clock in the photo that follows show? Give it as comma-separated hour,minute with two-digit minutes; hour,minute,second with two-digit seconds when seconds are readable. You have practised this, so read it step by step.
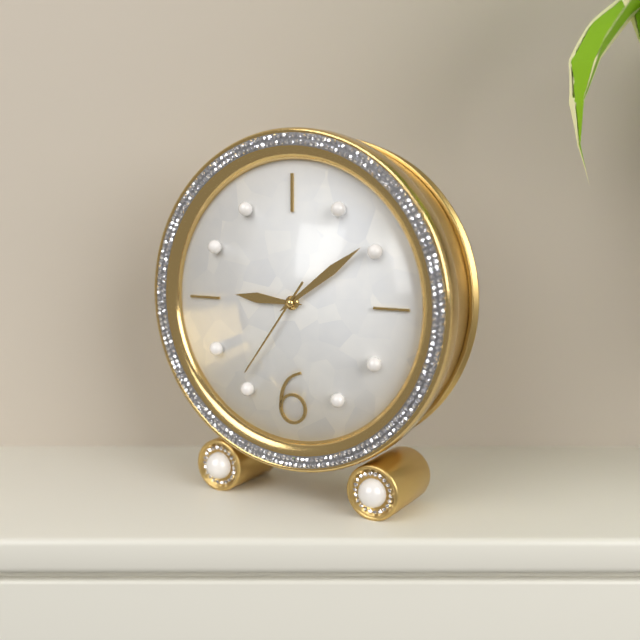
9,09,36
